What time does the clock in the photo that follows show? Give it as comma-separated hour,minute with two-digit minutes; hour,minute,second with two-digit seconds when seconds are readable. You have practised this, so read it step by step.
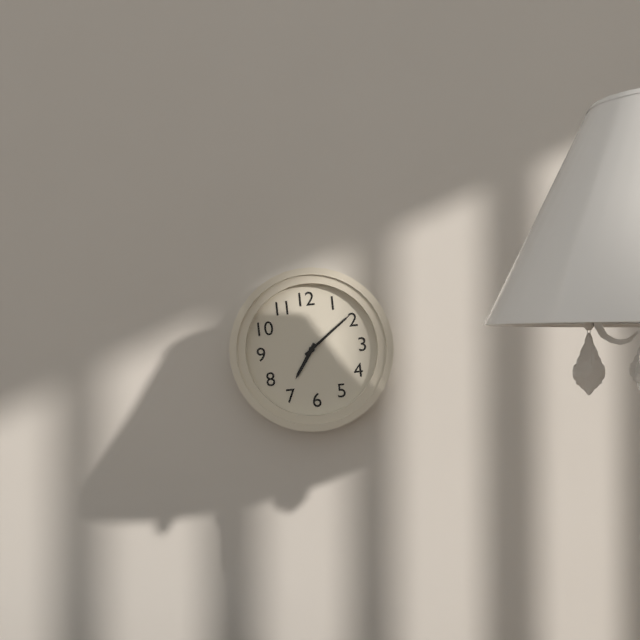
7,09
